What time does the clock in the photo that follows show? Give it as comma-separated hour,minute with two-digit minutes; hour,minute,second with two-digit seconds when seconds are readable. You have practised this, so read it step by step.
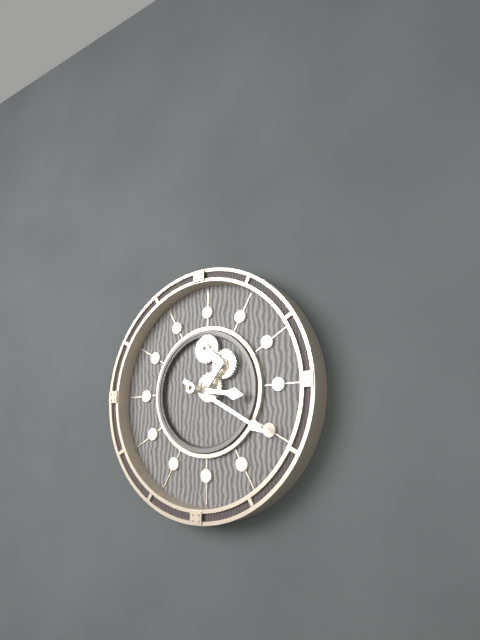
3,20
